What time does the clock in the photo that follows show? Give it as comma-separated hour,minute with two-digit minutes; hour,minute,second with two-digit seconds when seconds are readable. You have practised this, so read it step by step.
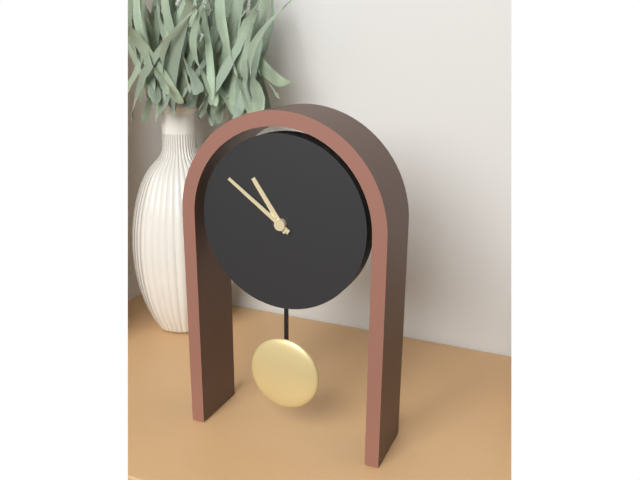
10,51
